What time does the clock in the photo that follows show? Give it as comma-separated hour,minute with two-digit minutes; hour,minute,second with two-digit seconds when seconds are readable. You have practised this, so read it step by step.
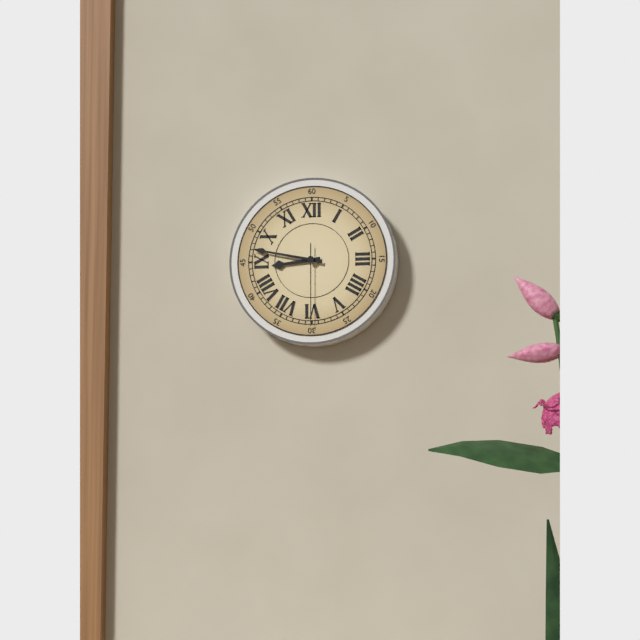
8,47,30
